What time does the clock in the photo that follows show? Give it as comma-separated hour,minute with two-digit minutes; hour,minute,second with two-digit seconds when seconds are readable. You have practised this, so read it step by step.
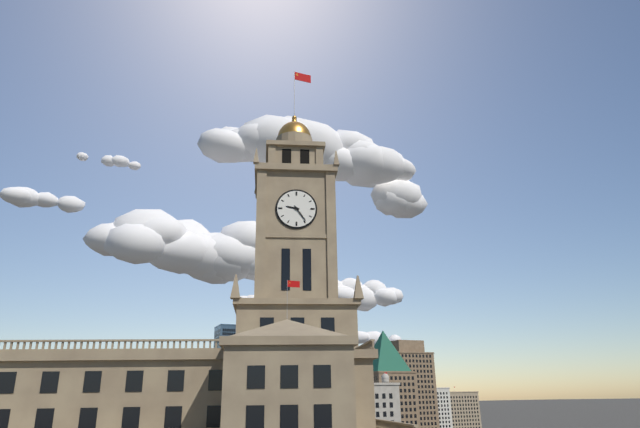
9,24
